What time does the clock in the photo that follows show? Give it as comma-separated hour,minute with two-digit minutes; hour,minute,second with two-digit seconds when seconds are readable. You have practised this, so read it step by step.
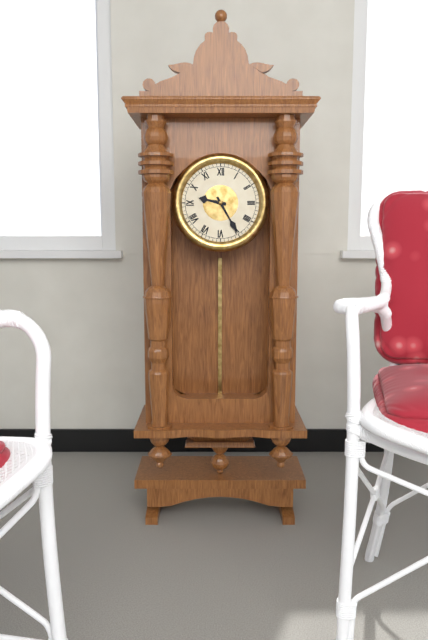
9,25
